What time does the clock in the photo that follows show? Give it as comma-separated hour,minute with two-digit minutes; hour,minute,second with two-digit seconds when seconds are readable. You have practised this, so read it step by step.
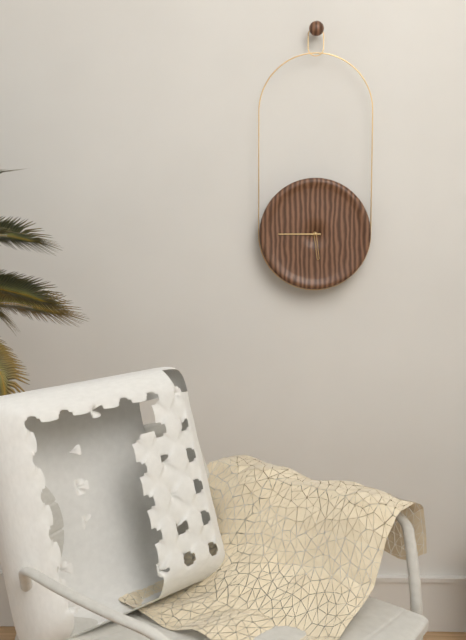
5,45
